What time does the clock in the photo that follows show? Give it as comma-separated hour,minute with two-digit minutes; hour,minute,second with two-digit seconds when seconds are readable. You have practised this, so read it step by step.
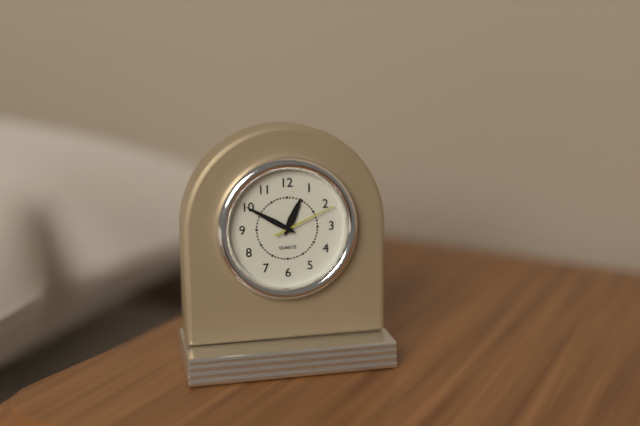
12,50,11
